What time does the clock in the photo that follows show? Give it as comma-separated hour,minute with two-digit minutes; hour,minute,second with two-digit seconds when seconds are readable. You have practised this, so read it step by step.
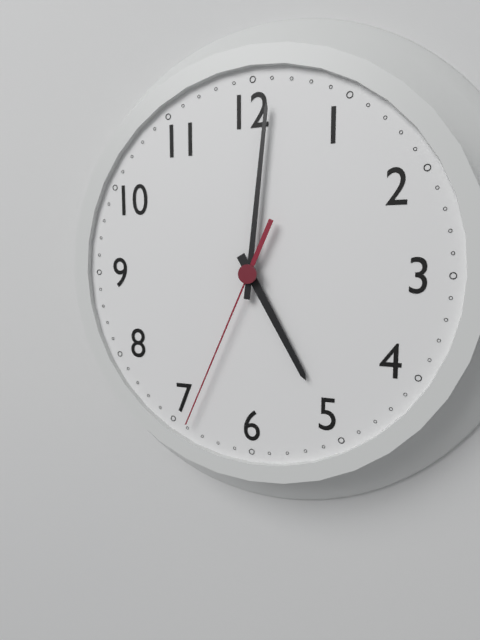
5,01,34
